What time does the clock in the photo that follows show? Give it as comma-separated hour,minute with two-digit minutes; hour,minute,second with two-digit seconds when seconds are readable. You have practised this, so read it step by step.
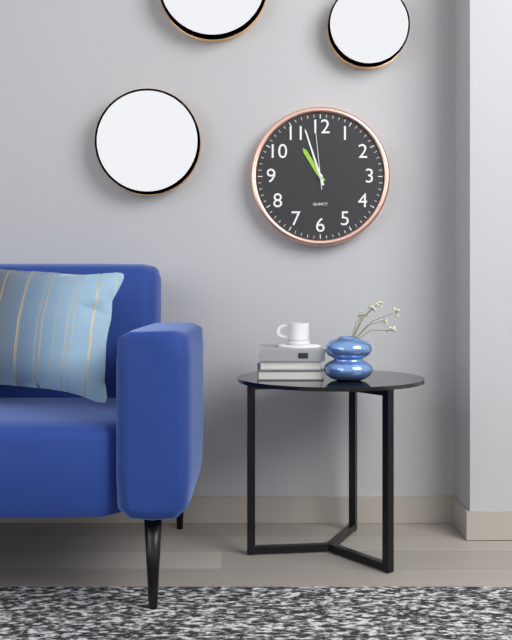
10,57,59
